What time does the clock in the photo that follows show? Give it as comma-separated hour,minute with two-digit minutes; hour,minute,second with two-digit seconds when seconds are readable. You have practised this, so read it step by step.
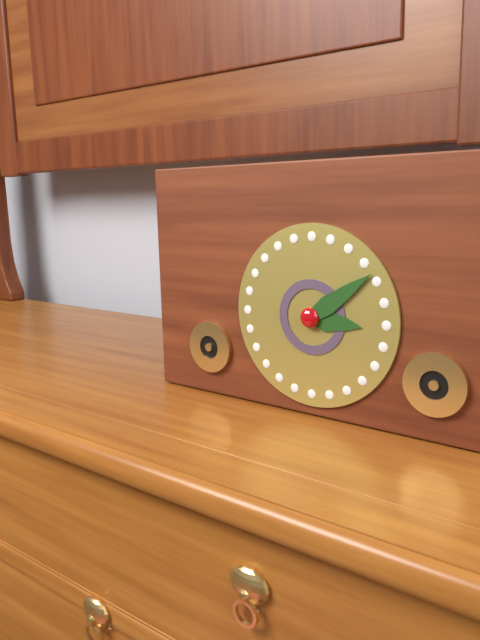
3,09
